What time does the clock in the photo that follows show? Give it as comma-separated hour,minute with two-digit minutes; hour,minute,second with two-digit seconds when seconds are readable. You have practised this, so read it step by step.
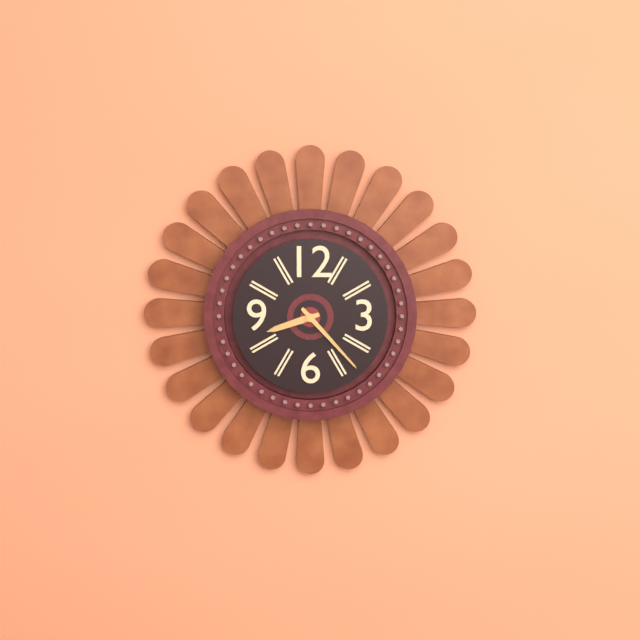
8,23
